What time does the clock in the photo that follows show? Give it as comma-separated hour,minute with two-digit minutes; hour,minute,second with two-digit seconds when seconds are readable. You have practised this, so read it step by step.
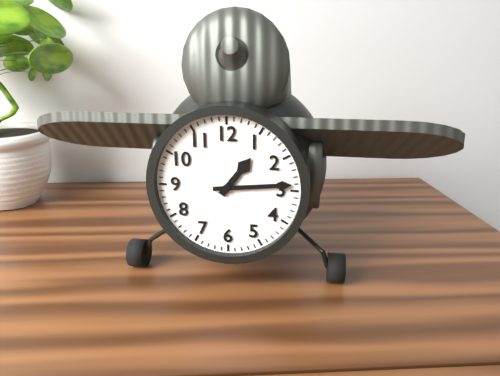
1,14
